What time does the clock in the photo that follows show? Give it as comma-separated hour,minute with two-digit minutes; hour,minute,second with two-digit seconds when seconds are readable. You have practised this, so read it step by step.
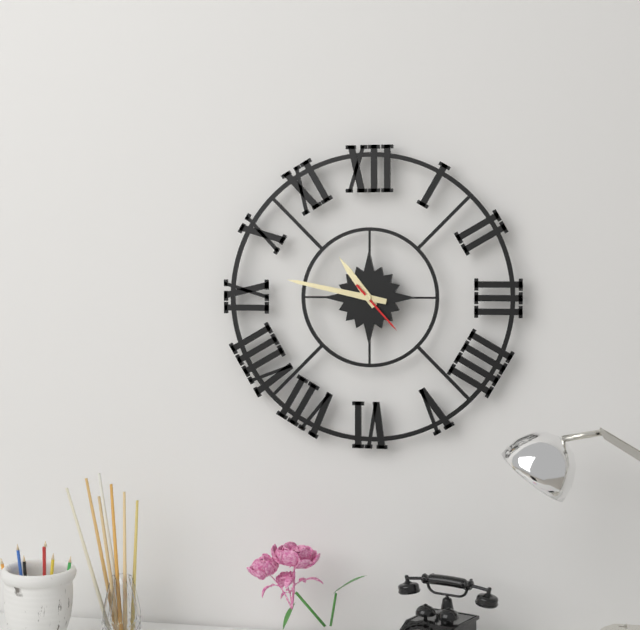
10,47,23
